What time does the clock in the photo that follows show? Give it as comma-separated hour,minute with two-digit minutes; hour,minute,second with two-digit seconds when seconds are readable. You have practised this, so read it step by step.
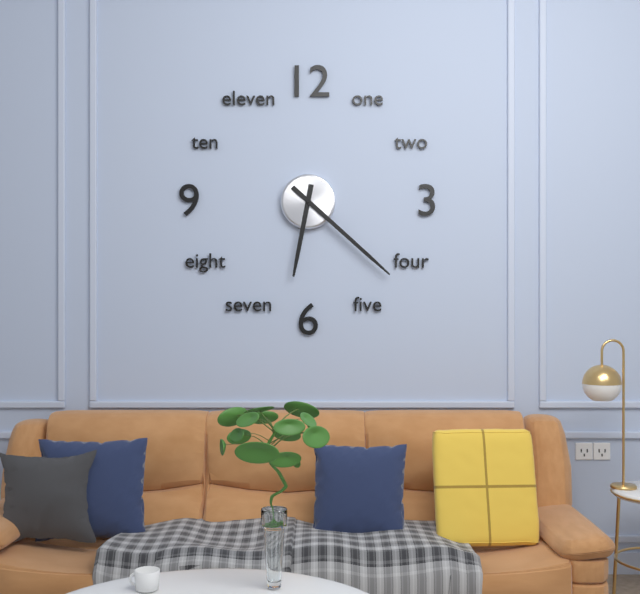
6,22
